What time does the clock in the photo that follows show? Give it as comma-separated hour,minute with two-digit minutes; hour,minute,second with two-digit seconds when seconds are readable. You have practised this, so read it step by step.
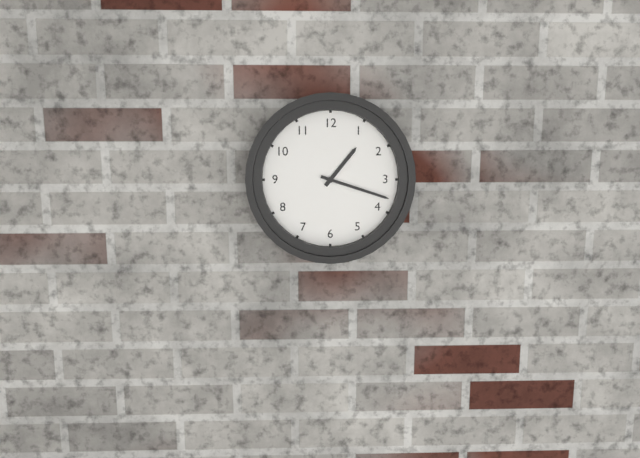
1,18
